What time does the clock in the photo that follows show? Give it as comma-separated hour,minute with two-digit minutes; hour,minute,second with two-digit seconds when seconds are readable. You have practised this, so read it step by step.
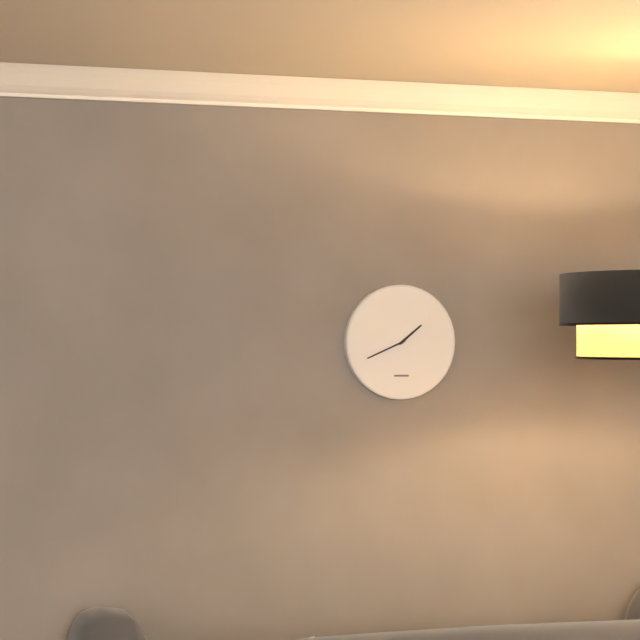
1,41
